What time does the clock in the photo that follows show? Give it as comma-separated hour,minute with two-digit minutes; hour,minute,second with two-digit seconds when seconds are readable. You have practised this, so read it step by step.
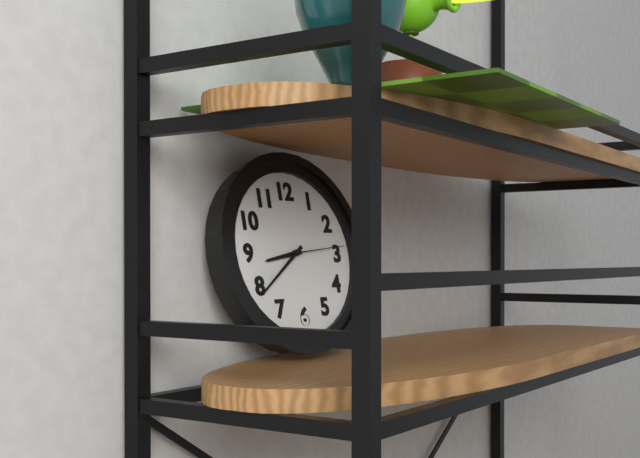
8,39,14
